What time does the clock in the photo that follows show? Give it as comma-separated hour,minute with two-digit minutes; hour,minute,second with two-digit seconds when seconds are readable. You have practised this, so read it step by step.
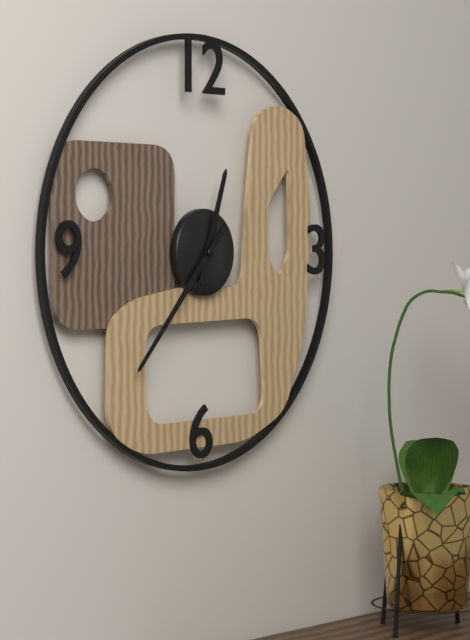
12,37
